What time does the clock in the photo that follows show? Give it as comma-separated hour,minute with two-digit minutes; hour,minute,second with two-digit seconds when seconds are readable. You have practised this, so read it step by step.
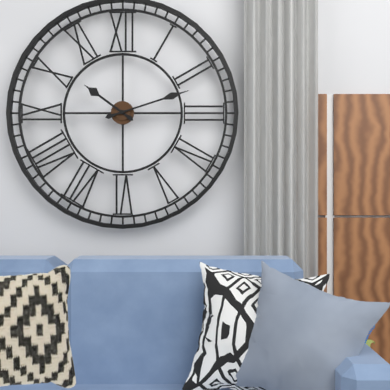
10,12
